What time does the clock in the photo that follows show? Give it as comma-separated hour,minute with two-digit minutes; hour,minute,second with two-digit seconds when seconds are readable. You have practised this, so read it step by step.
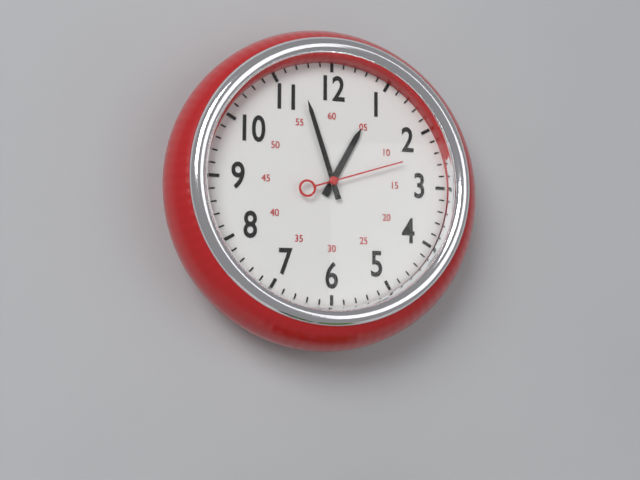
12,57,12
